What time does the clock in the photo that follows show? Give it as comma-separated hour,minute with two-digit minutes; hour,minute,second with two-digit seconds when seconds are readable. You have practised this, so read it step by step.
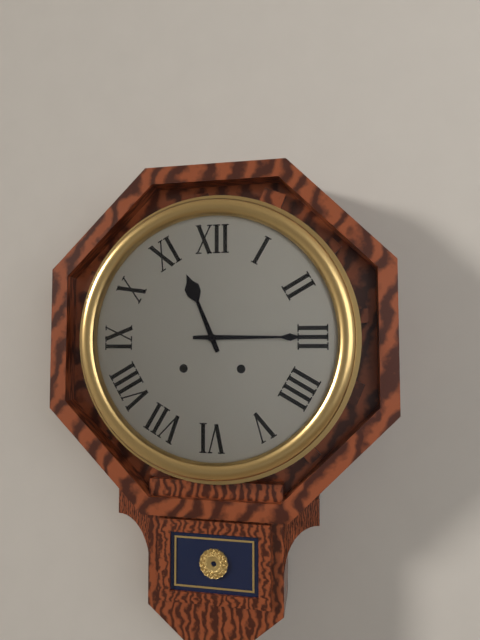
11,15
